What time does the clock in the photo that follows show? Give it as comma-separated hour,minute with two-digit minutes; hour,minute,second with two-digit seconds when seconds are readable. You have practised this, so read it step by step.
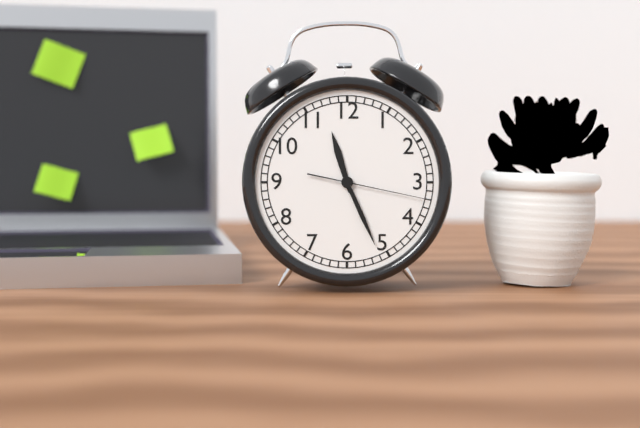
11,26,17
